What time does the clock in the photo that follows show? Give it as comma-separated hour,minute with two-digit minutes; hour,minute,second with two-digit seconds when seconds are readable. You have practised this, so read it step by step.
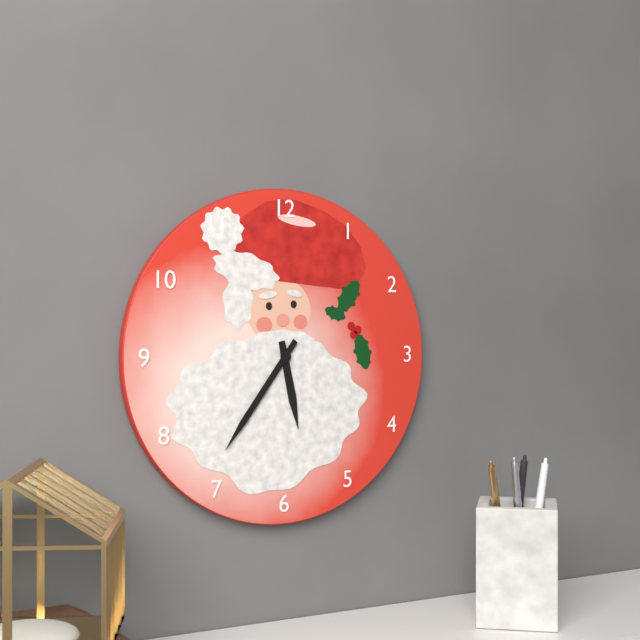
5,36
